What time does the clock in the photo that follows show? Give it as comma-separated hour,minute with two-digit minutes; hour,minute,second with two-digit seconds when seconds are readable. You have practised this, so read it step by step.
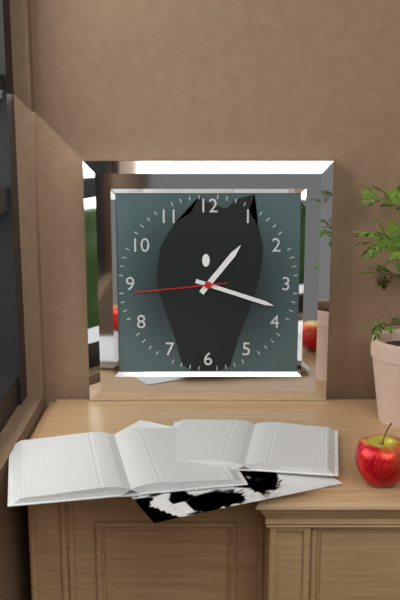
1,18,44
